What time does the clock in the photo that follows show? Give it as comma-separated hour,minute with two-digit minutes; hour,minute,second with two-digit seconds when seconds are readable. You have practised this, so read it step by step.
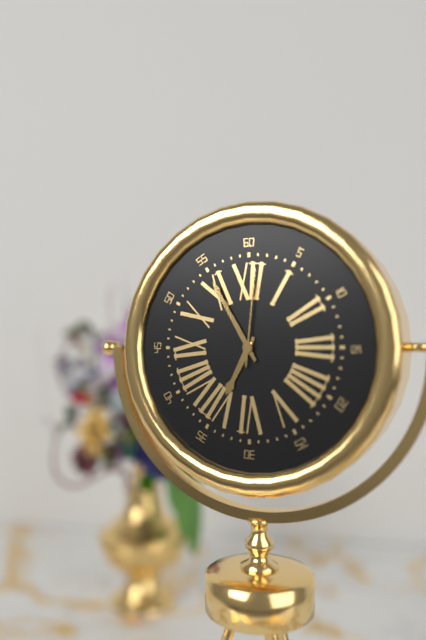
6,55,01
